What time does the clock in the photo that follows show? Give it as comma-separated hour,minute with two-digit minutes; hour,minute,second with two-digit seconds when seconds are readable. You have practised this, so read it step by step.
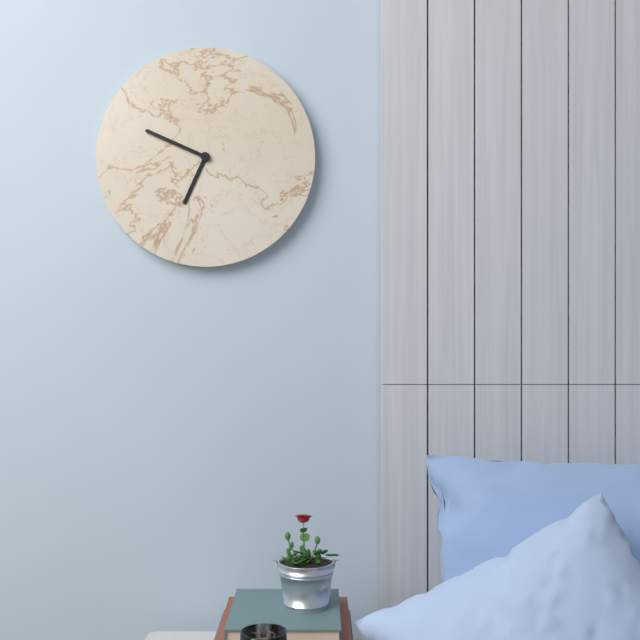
6,49
